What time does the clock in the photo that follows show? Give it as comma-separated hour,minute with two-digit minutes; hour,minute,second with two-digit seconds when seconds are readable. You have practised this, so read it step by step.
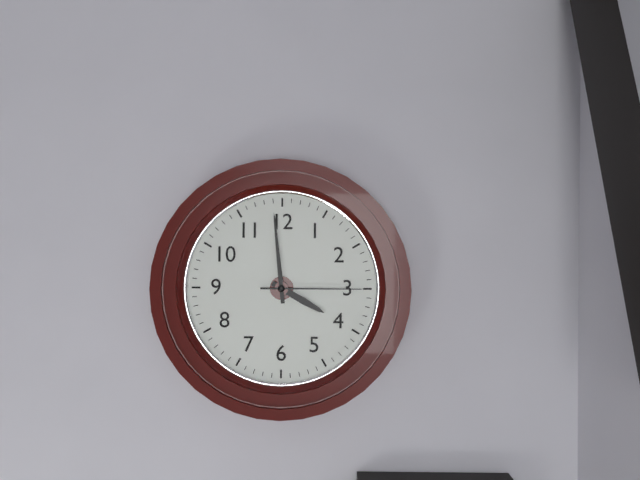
3,59,15
